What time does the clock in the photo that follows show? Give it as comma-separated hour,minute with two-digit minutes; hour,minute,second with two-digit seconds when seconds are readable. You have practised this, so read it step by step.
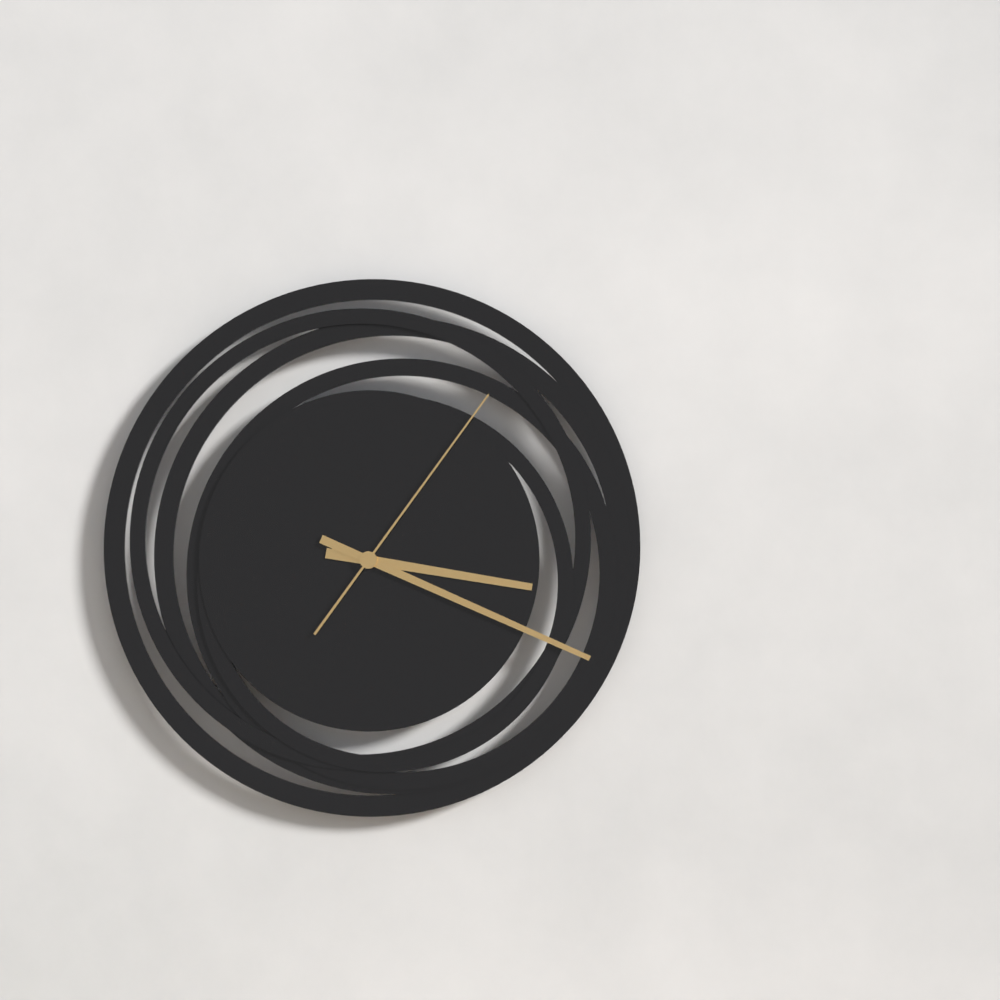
3,19,06
